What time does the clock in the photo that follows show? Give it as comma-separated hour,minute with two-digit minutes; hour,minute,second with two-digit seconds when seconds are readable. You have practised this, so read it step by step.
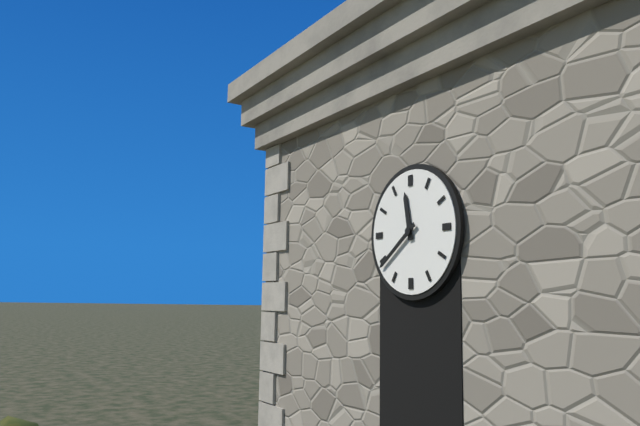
11,39
